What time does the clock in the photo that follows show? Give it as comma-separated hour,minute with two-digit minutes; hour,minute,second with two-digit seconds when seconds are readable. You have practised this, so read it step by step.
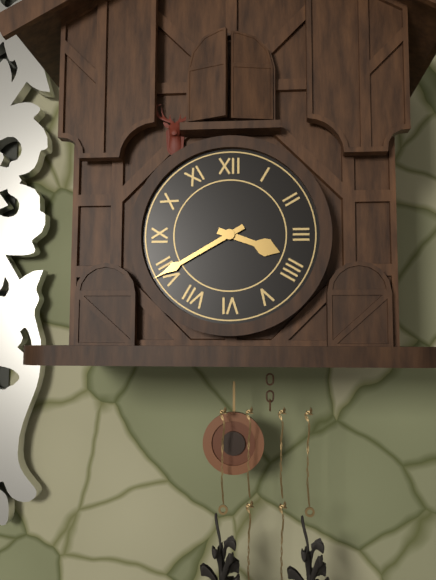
3,40
